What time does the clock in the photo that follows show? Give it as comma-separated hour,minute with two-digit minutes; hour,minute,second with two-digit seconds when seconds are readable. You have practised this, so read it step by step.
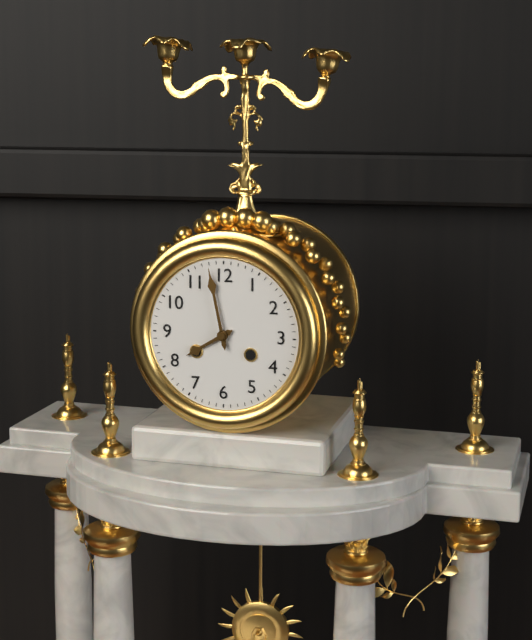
7,58
